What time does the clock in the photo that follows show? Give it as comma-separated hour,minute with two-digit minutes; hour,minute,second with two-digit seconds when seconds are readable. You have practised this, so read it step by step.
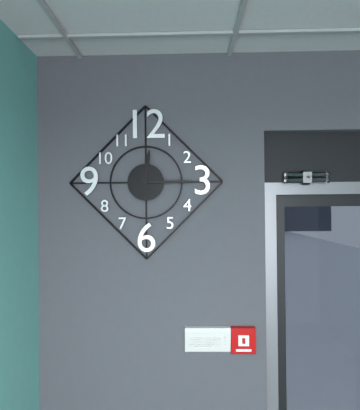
12,15
